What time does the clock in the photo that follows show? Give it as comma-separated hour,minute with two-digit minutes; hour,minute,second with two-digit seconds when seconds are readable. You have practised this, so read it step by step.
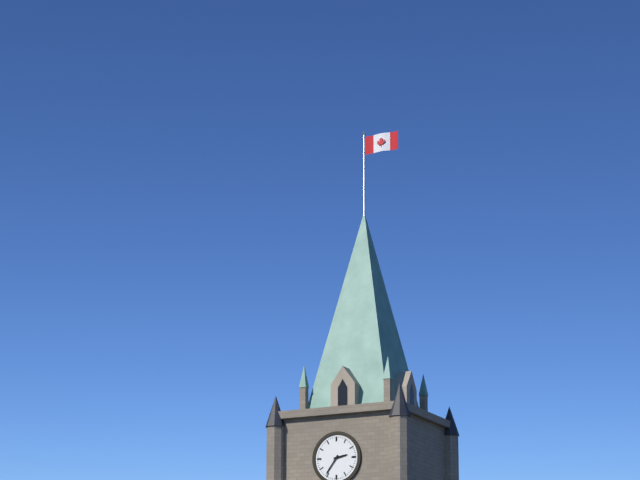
2,36
